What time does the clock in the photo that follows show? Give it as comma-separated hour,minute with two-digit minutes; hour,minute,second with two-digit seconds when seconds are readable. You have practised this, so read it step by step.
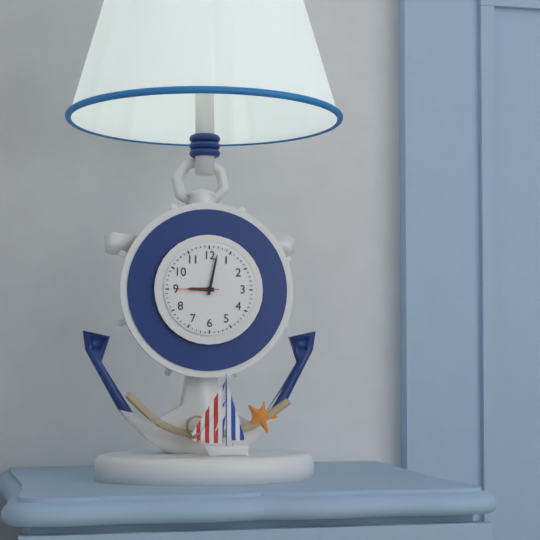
9,02
